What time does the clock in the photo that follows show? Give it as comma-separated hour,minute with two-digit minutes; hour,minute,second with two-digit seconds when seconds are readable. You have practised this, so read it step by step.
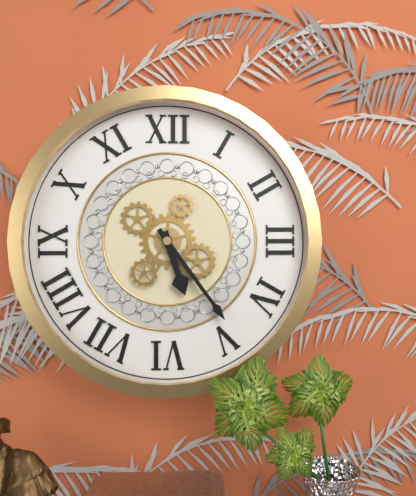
5,24
